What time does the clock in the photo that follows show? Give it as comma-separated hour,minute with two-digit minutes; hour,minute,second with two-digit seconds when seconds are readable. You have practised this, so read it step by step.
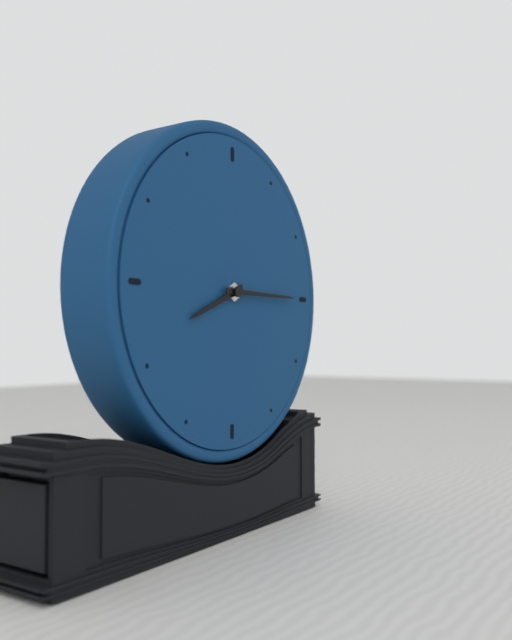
8,15
